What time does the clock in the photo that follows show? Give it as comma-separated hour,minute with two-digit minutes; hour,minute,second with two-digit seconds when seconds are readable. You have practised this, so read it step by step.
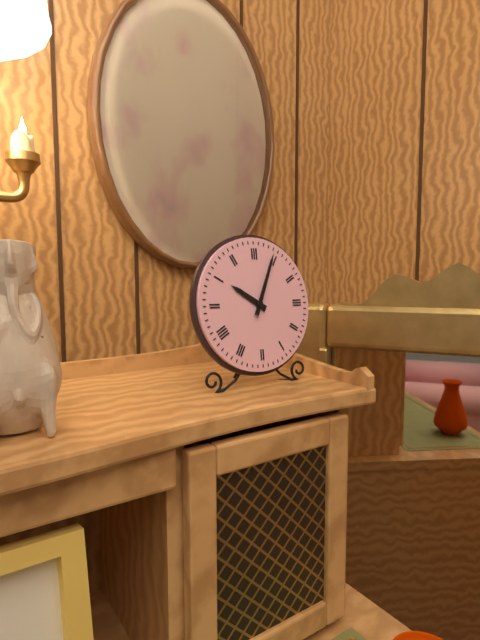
10,04
